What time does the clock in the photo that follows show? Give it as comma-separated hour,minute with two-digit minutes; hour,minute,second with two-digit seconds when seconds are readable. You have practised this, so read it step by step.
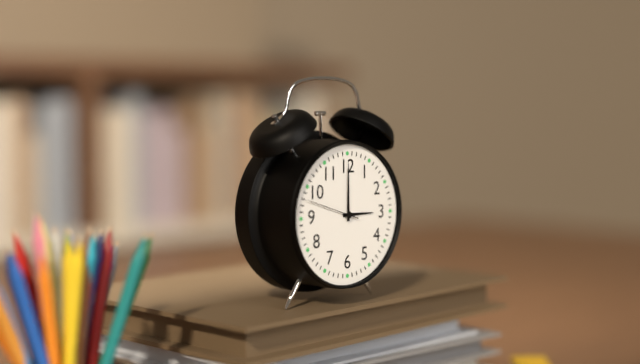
3,00,48
